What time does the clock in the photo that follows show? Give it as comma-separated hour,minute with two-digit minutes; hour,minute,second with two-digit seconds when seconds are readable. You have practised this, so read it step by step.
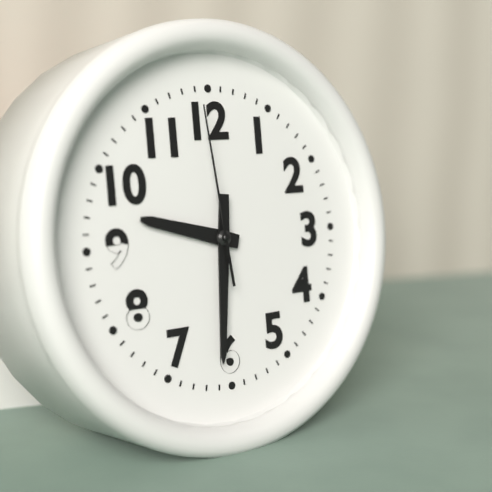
9,31,59
